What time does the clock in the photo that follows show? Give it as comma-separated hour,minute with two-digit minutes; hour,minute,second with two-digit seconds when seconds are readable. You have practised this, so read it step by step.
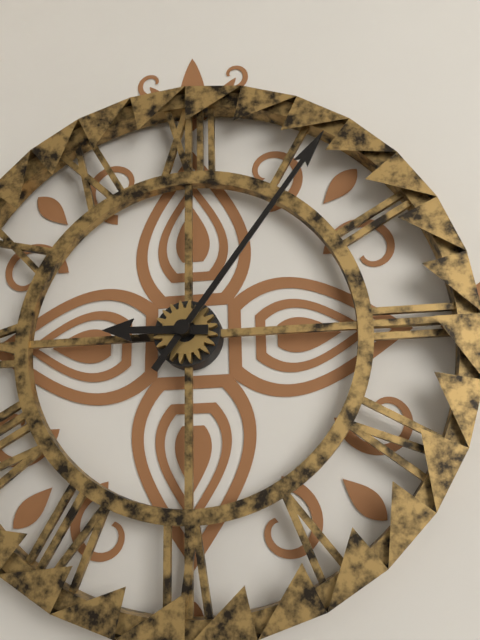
9,06
